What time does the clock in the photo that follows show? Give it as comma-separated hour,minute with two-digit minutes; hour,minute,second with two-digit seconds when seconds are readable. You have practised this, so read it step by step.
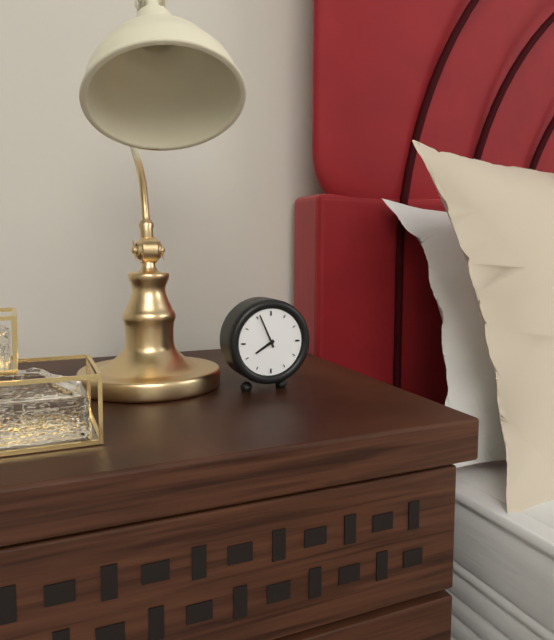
7,56
